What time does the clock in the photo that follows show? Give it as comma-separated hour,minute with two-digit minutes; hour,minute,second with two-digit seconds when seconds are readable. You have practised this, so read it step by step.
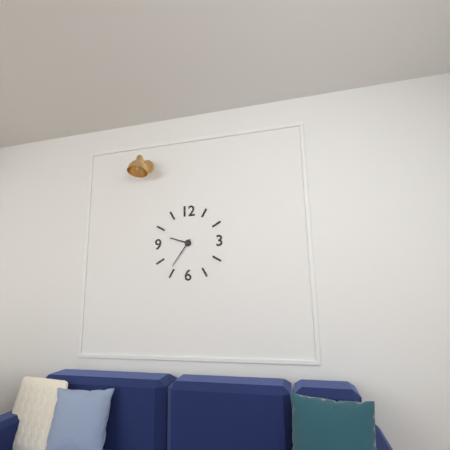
9,36
